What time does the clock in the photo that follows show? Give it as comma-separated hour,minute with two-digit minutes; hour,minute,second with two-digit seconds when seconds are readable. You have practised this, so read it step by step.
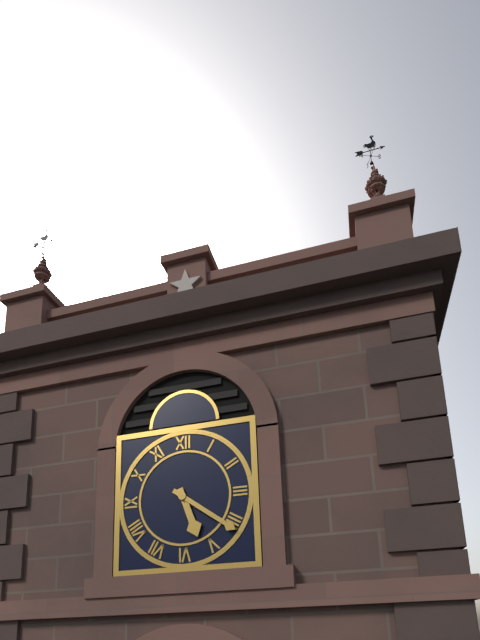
5,21
